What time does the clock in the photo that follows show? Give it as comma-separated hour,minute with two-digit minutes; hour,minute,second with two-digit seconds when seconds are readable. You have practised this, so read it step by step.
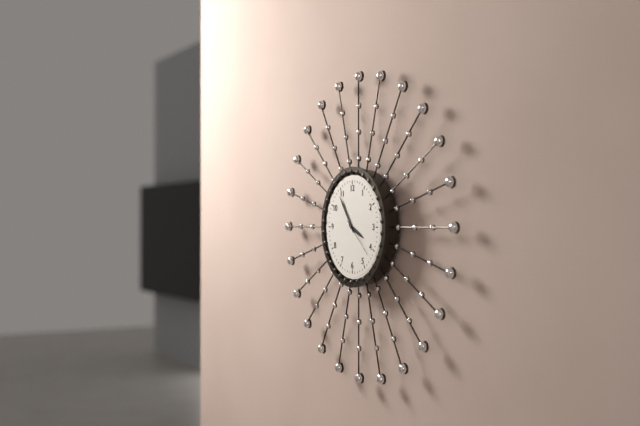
3,54
